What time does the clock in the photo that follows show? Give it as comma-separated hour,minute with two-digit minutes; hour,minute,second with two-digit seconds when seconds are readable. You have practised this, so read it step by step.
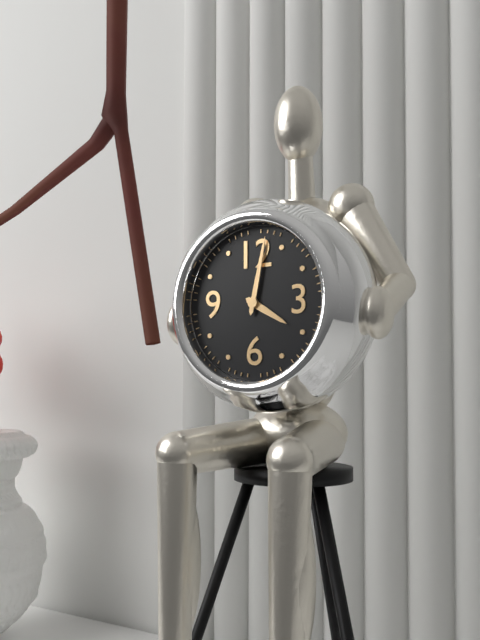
4,02
